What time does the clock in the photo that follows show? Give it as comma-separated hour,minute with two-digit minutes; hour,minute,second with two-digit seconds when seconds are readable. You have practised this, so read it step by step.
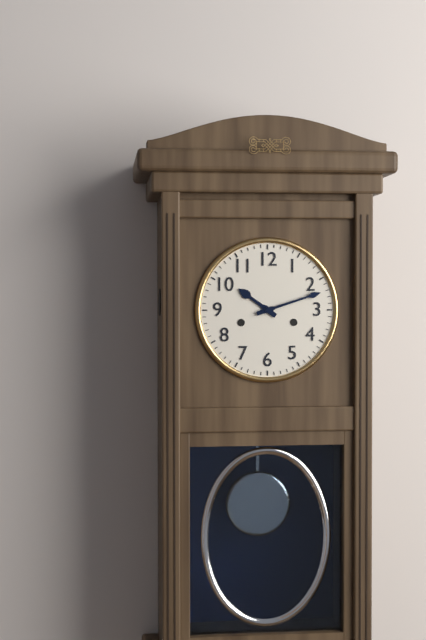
10,12
